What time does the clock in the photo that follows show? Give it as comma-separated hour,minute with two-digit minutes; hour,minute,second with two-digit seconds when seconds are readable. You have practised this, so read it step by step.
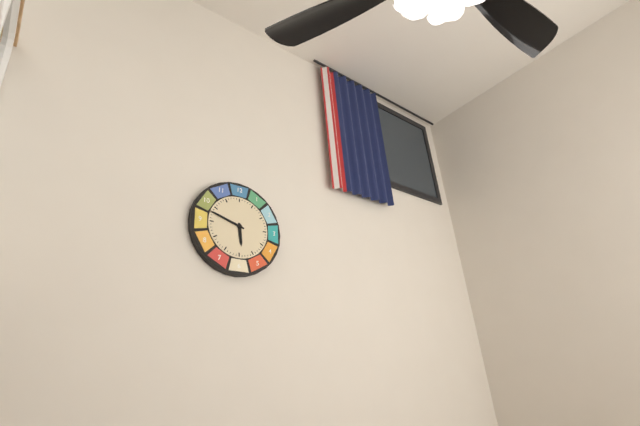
5,48
